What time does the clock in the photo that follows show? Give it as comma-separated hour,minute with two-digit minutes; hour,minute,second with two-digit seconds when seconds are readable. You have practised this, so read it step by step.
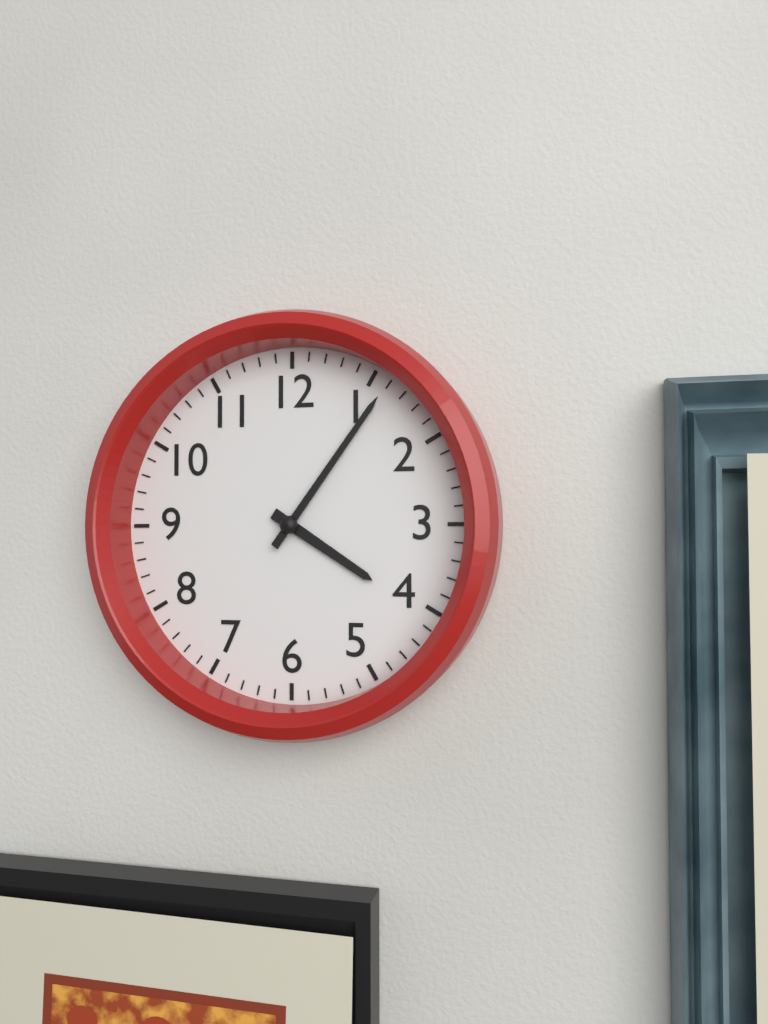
4,06
